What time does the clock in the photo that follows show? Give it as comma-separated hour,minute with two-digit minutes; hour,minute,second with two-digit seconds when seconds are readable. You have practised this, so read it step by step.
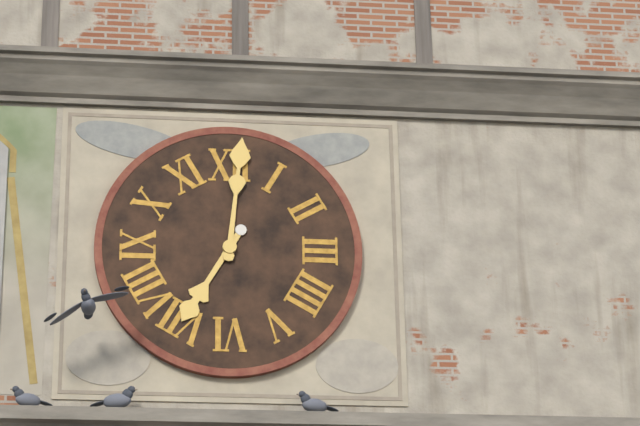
7,01
